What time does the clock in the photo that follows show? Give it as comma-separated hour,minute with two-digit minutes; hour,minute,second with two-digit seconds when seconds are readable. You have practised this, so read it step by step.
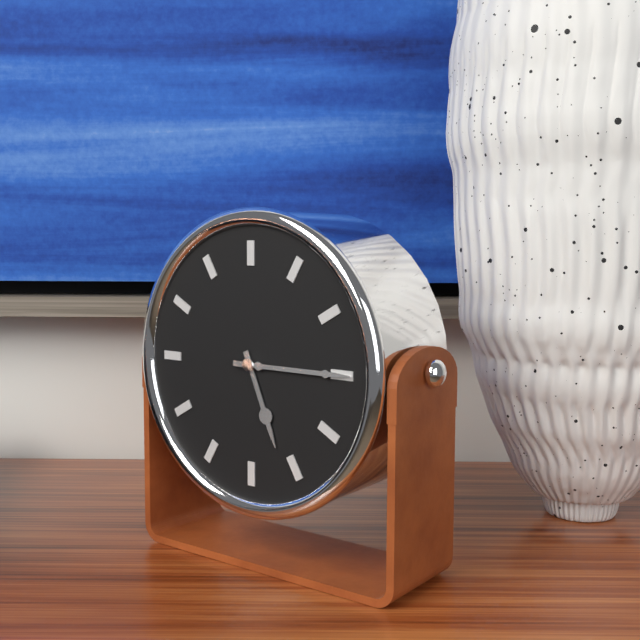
5,15
